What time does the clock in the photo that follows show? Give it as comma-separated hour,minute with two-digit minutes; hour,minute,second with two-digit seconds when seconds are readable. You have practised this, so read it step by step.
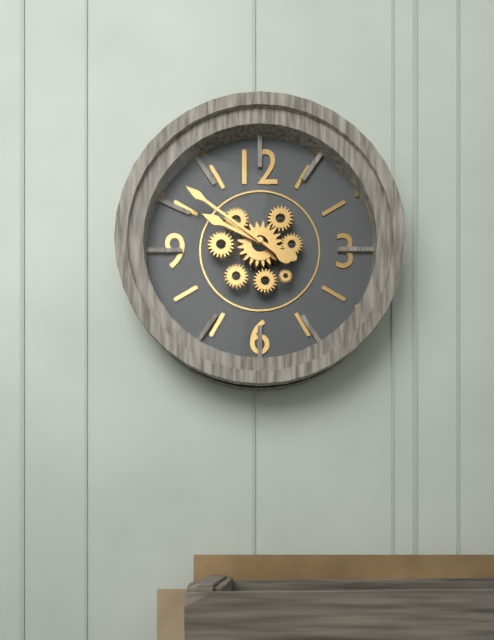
9,51
